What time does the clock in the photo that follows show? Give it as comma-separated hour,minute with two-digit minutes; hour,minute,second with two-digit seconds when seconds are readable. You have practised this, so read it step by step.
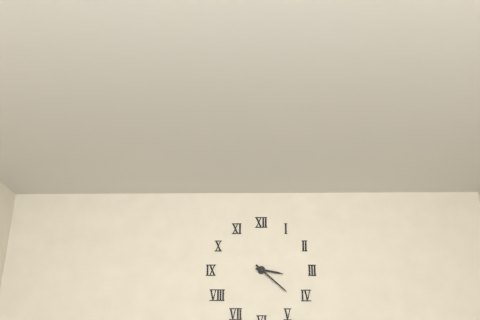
3,22
